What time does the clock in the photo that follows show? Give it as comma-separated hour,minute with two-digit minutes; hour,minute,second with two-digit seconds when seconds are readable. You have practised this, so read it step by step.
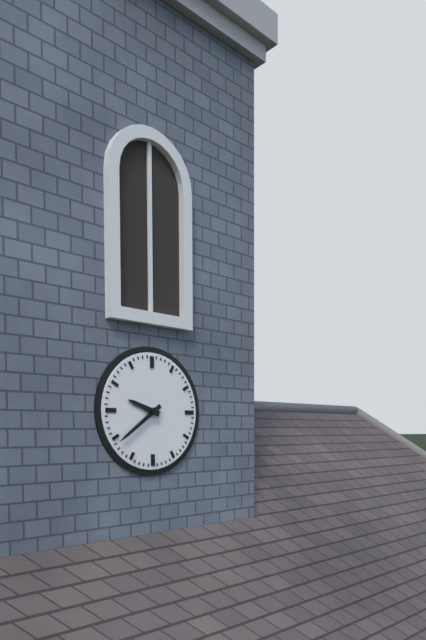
9,39
